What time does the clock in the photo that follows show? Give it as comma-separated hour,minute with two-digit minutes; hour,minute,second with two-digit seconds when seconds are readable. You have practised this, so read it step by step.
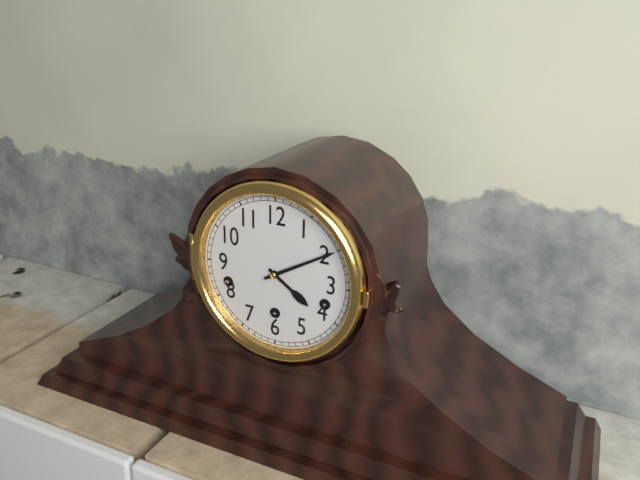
4,10
